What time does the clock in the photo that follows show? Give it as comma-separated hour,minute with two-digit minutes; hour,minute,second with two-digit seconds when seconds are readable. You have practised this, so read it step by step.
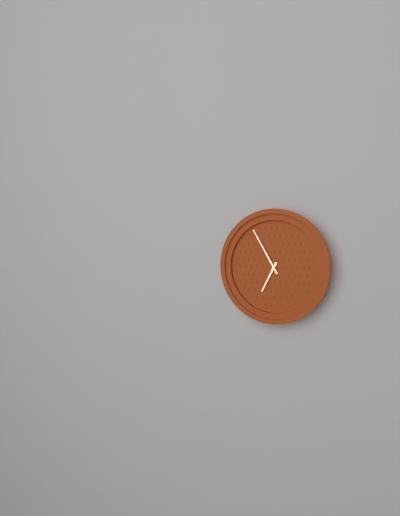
6,55
